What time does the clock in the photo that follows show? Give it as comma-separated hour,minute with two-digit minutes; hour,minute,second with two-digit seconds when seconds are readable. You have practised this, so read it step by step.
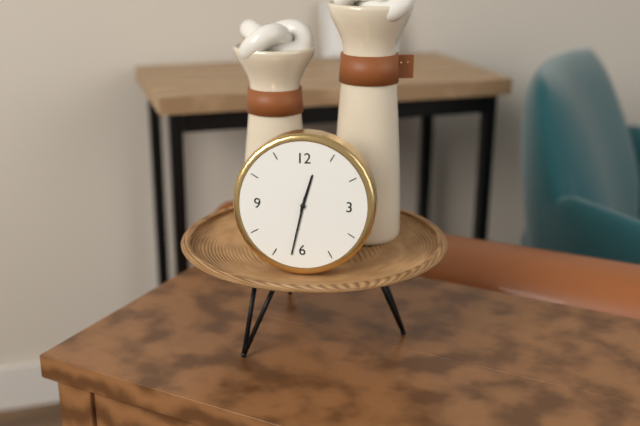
12,32
